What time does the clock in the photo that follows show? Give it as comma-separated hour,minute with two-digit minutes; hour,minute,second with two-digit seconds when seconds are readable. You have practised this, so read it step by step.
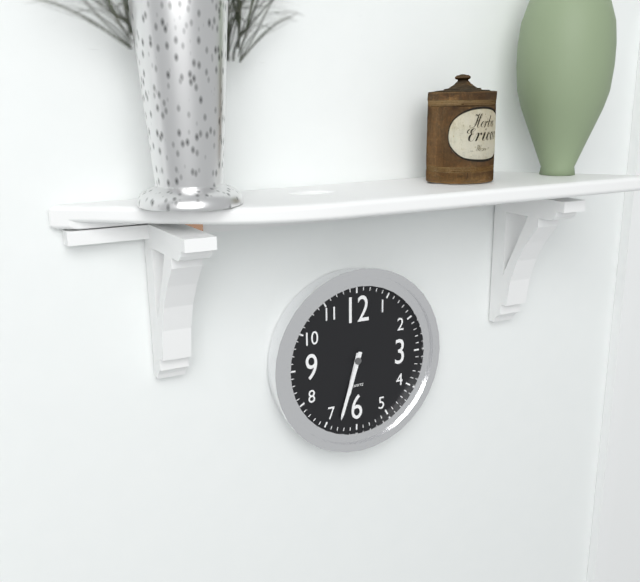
6,33
